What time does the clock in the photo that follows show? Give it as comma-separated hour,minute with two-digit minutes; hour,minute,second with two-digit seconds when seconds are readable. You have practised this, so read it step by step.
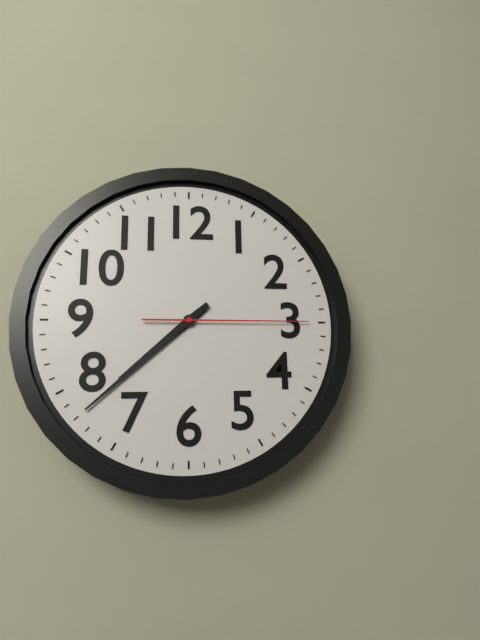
7,38,15
